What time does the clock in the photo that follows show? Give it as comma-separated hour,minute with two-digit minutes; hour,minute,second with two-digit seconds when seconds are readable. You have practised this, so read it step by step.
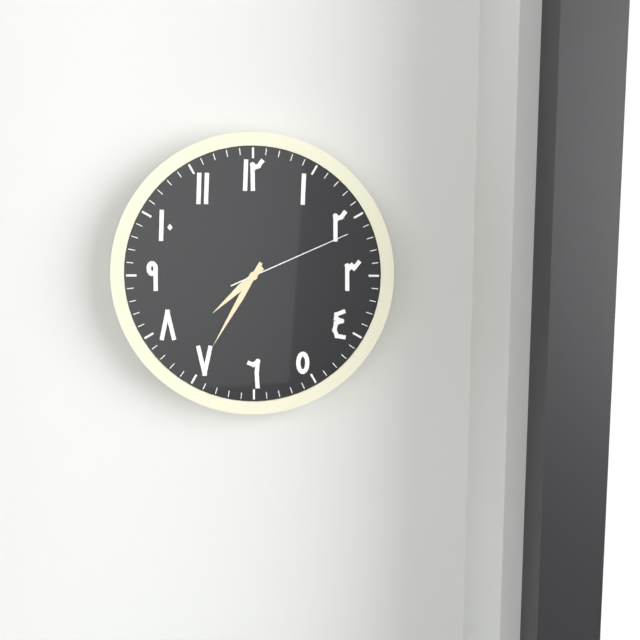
7,35,11
